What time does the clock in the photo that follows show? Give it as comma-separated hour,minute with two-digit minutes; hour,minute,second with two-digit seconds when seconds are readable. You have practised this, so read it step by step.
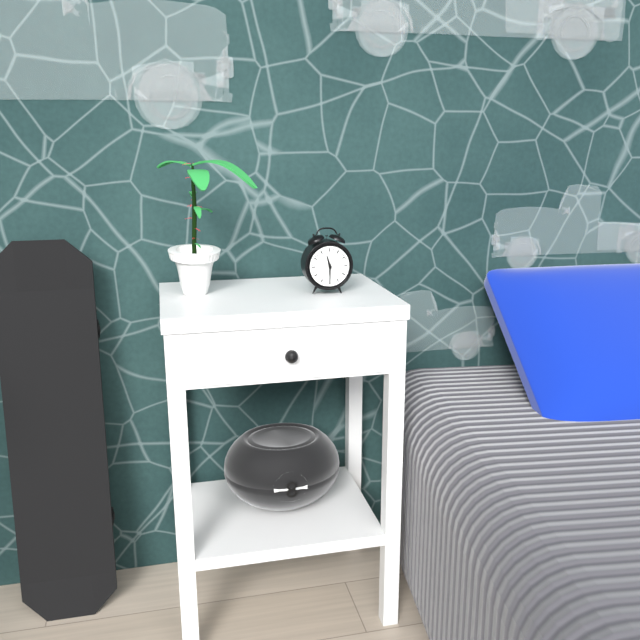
11,30
